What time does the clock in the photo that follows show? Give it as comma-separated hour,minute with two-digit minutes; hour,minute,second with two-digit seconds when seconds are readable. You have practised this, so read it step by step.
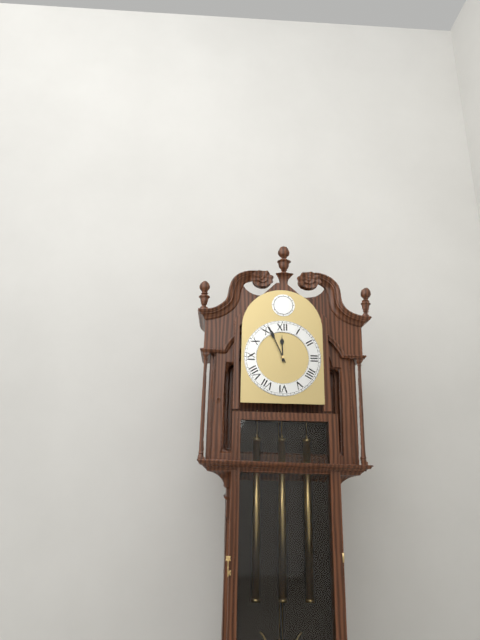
11,56
